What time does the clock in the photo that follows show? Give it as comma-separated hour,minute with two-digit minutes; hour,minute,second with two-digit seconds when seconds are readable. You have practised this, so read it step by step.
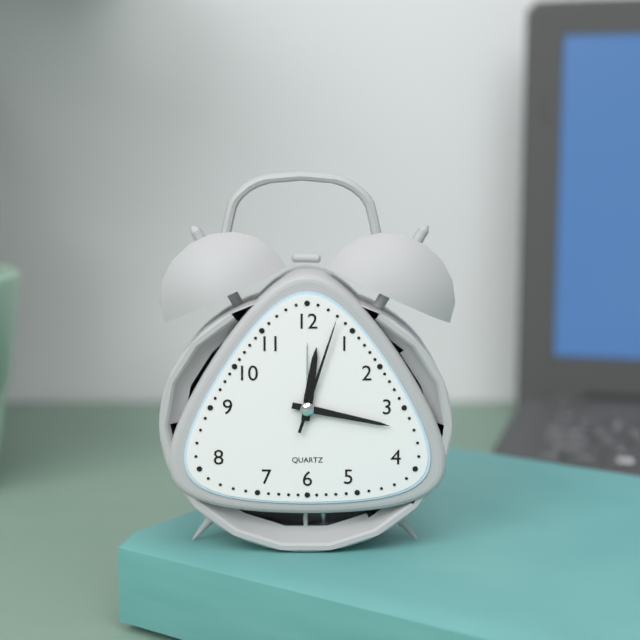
12,17,03
